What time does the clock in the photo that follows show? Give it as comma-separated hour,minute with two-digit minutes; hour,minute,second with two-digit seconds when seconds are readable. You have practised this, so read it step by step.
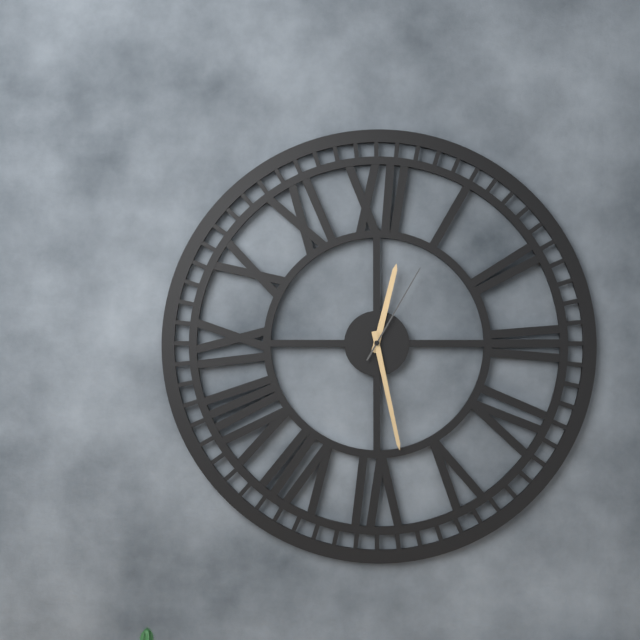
12,28,05
